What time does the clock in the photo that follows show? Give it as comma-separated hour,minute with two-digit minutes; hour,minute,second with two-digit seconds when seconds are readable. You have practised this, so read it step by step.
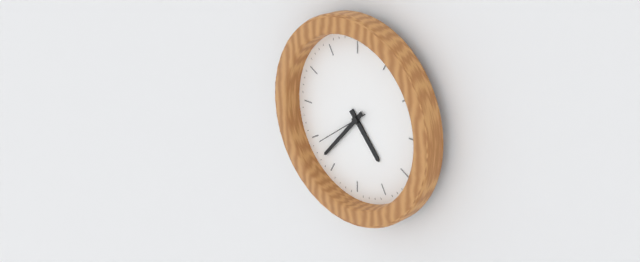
4,37,39
